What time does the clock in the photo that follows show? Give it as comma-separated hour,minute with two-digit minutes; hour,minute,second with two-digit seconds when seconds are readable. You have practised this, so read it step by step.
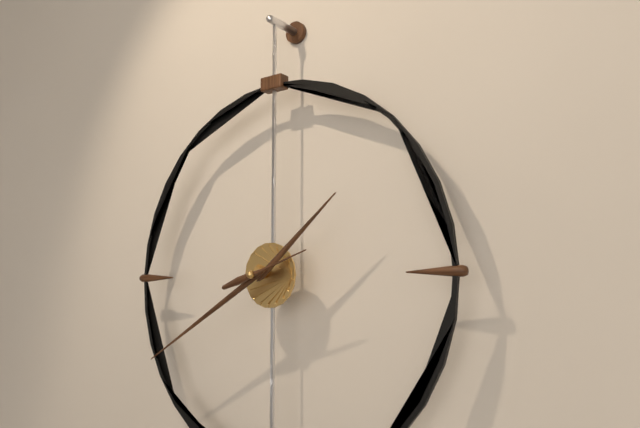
1,40,12
